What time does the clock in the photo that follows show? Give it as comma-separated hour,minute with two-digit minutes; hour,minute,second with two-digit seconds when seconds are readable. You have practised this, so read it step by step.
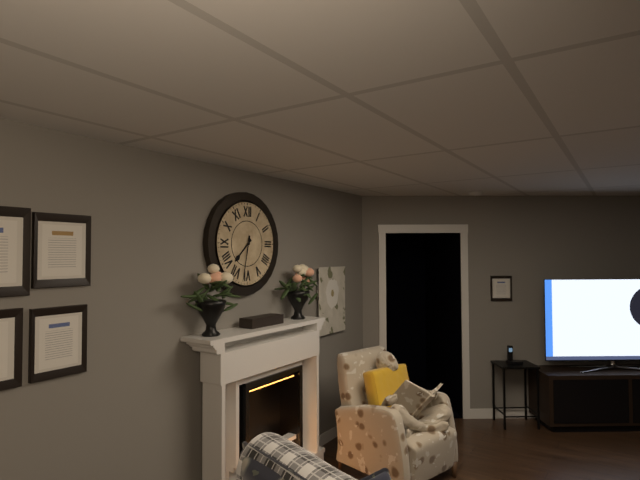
7,32
